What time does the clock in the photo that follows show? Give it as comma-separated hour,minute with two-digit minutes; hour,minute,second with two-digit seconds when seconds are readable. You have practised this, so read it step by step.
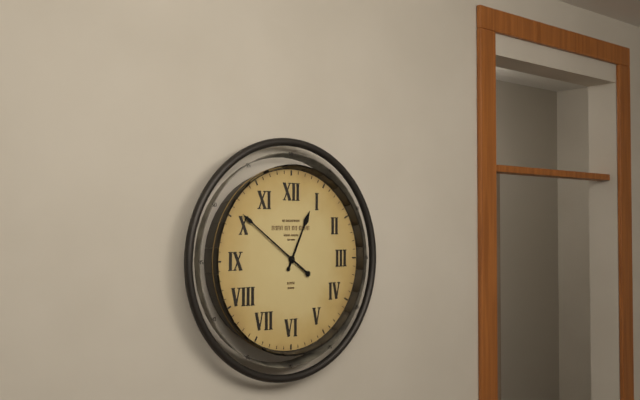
12,51
